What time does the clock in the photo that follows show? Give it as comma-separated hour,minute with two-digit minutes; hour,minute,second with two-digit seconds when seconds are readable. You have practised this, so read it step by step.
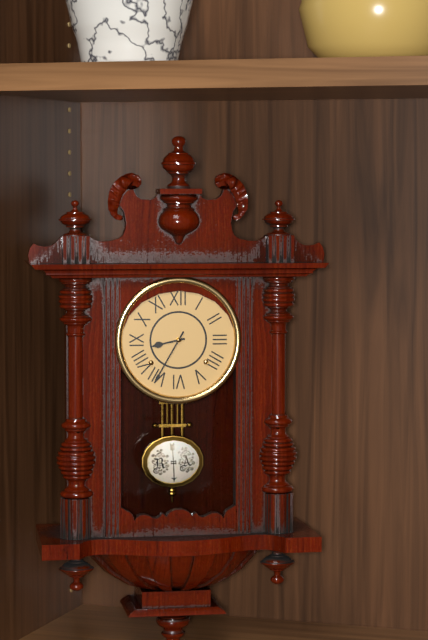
8,35
